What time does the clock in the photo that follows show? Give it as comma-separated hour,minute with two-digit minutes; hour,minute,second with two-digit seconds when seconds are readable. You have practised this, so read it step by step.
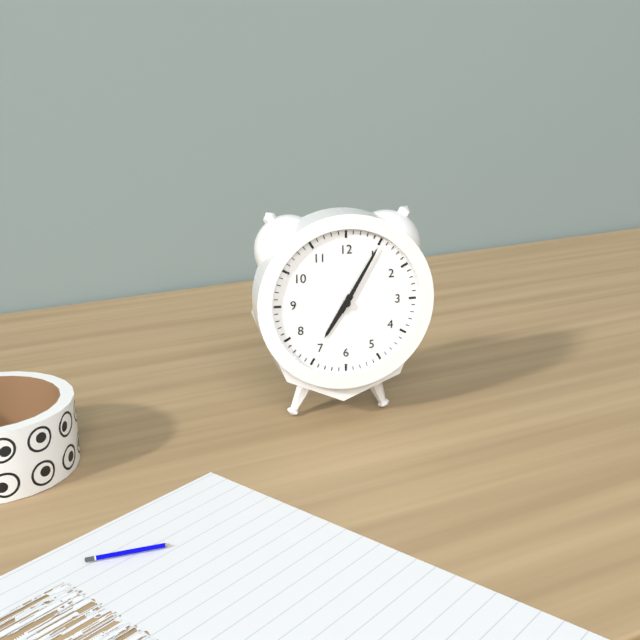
7,05
